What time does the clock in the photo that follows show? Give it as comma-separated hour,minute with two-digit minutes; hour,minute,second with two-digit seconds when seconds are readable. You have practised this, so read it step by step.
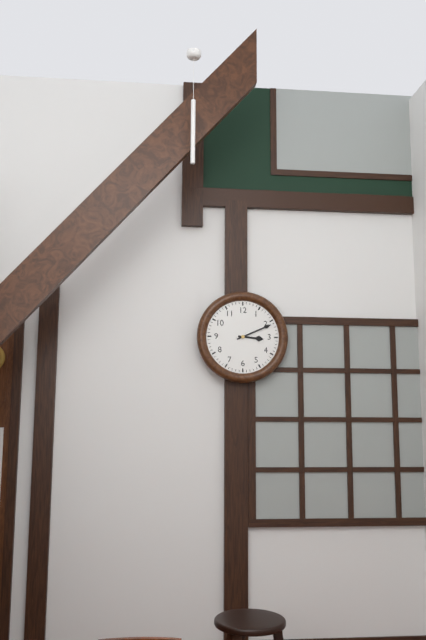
3,11
